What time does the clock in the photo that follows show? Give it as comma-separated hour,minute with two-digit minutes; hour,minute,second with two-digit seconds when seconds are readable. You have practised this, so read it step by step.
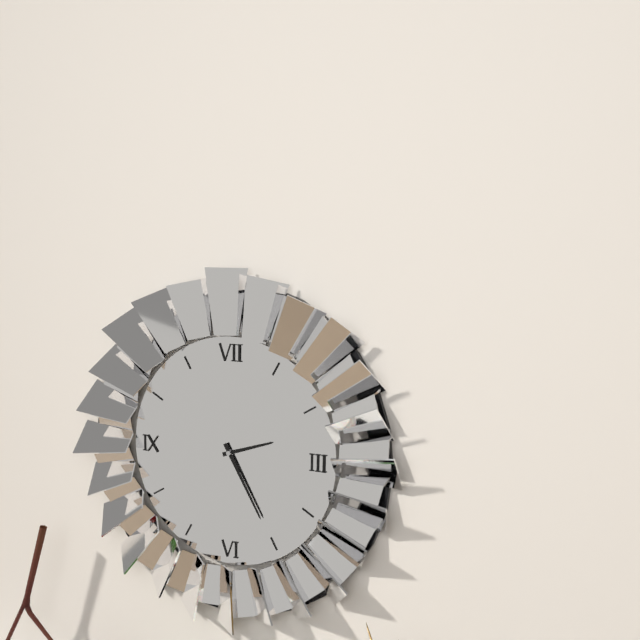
2,25
